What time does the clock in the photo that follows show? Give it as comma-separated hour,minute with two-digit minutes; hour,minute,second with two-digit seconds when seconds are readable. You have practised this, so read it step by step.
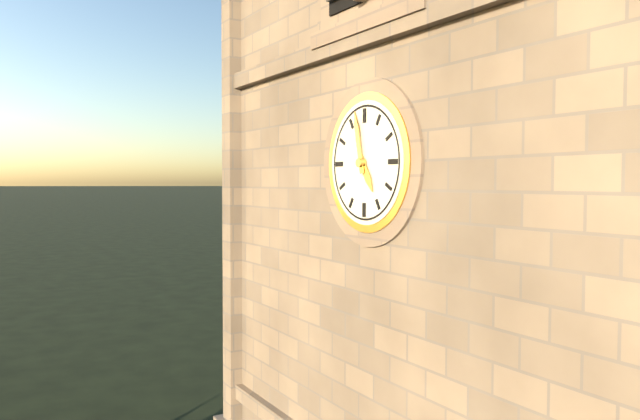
4,58
